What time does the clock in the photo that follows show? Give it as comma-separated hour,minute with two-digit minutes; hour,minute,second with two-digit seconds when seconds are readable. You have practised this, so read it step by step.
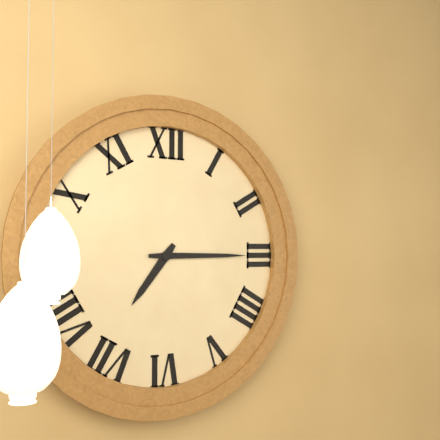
7,15
